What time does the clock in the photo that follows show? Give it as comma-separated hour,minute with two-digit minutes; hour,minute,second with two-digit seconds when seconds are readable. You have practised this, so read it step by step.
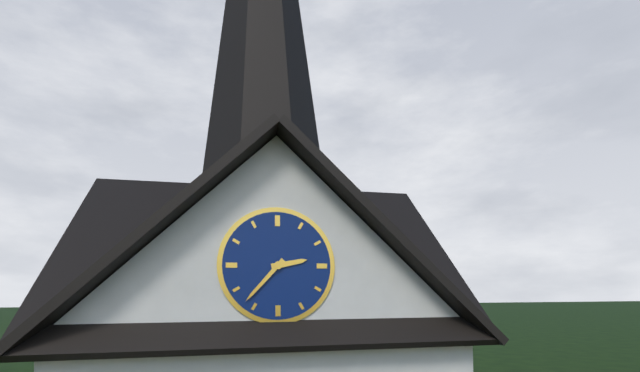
2,37
